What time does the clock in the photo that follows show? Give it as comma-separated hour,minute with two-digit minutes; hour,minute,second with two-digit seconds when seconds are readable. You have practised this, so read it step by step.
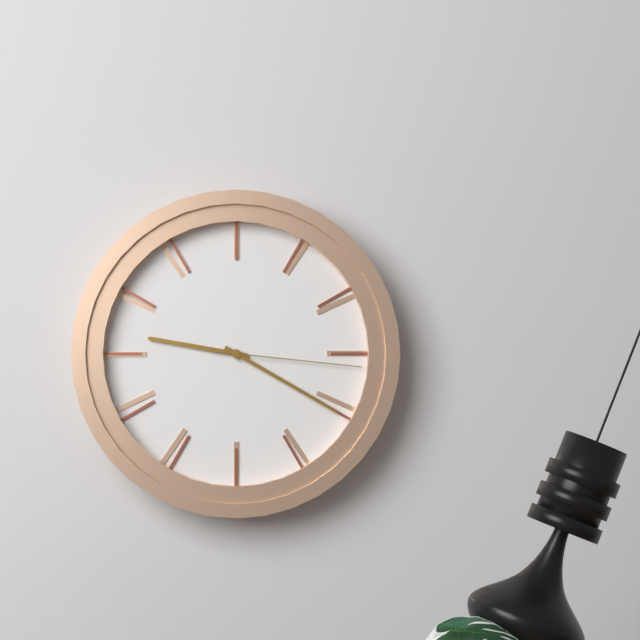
9,20,16
